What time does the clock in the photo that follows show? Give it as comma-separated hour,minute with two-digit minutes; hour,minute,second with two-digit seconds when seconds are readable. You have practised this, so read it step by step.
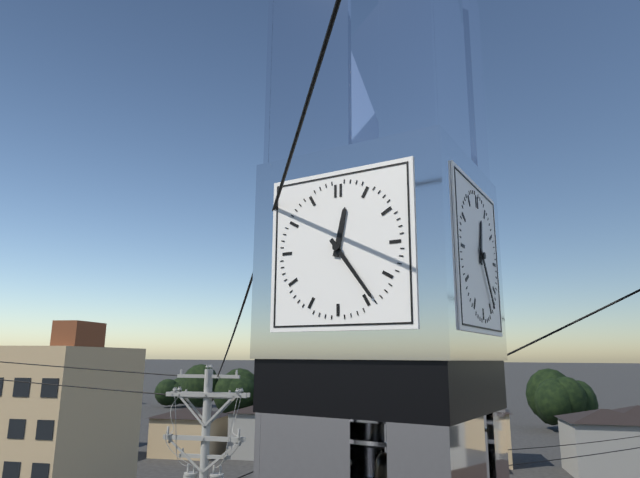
12,24
